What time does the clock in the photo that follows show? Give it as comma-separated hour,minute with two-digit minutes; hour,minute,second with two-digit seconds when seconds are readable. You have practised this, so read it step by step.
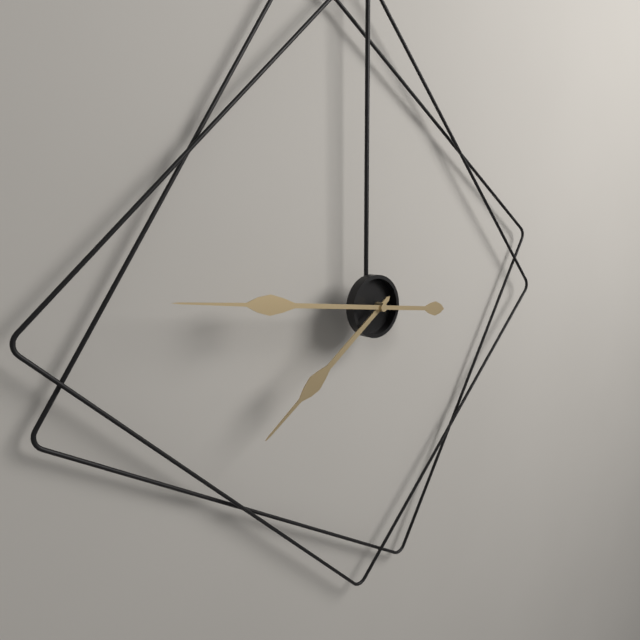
7,46
